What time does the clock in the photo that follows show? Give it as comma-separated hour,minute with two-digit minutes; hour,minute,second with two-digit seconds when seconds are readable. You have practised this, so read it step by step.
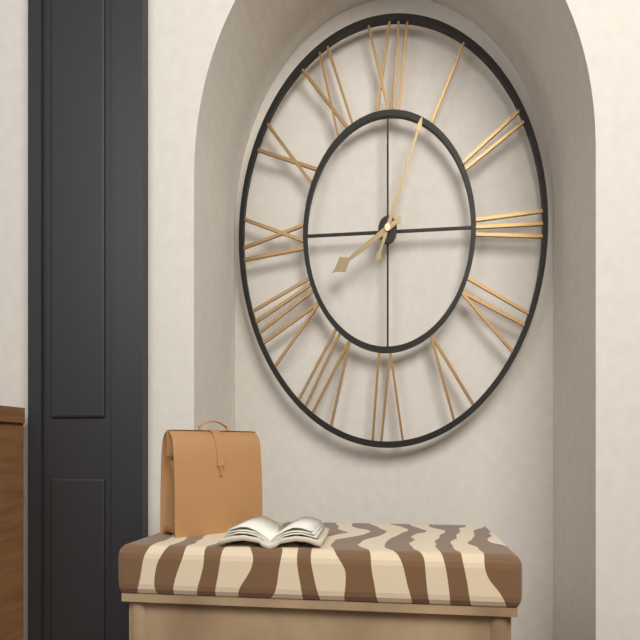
8,04
